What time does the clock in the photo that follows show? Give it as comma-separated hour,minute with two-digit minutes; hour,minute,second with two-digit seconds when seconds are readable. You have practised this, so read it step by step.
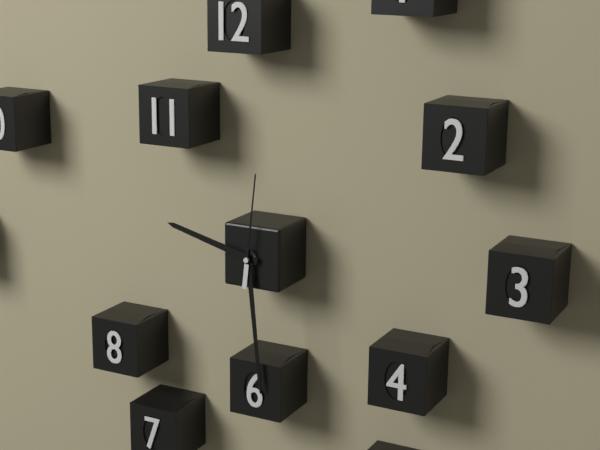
9,29,01
